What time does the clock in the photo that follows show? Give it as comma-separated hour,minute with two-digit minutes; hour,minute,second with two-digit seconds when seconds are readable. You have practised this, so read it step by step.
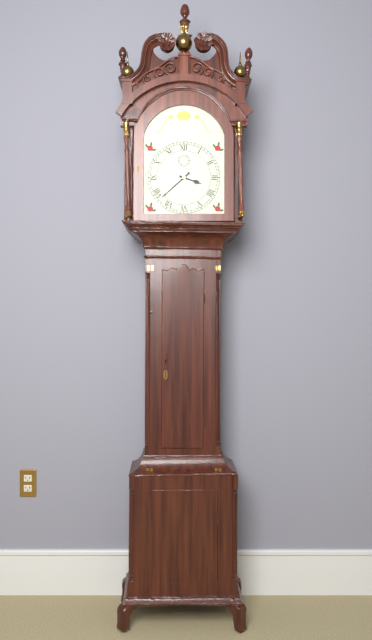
3,38
